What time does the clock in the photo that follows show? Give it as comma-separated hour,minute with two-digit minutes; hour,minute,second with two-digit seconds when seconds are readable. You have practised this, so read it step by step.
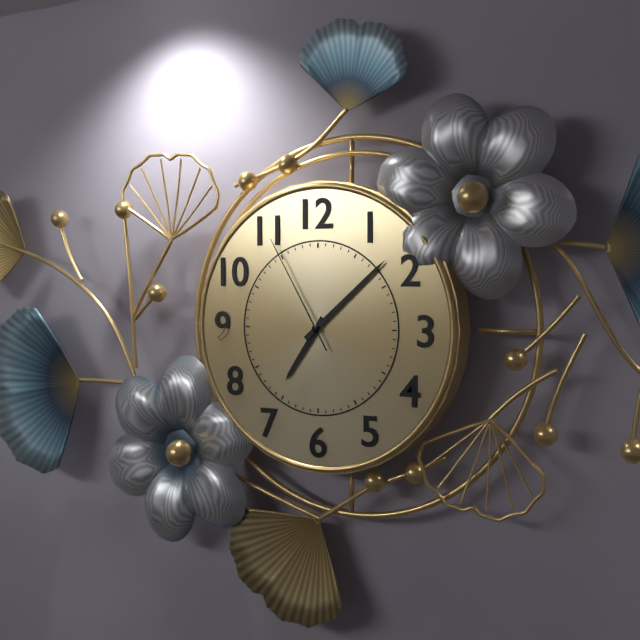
7,08,55
